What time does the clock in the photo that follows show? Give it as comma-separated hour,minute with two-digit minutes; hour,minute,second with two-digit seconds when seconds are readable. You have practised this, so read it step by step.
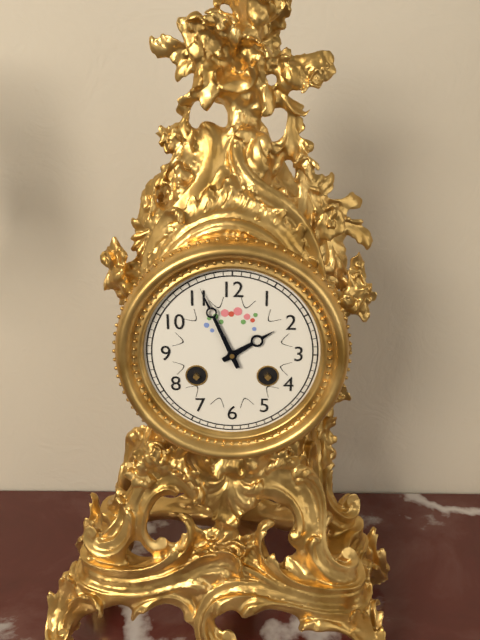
1,56
